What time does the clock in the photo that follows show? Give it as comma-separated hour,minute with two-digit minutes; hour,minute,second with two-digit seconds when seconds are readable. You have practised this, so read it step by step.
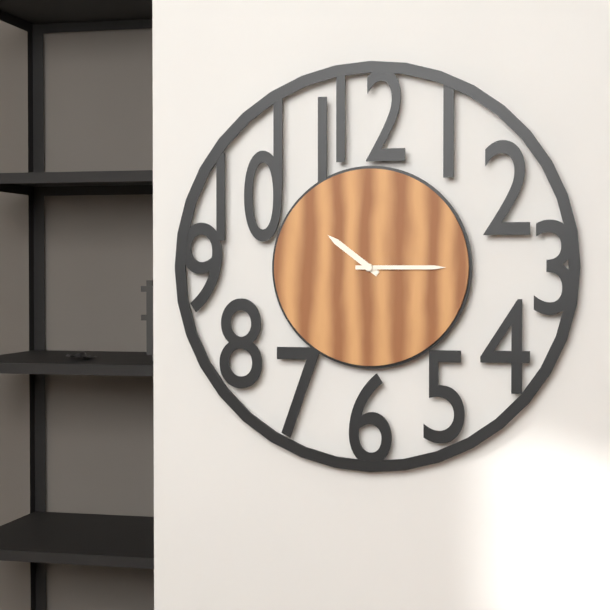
10,15
